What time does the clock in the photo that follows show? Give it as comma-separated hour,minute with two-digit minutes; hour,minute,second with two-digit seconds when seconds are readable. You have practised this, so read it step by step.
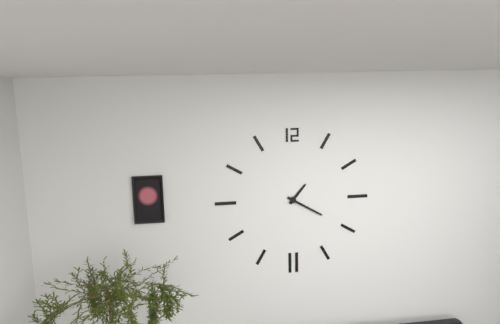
1,20
